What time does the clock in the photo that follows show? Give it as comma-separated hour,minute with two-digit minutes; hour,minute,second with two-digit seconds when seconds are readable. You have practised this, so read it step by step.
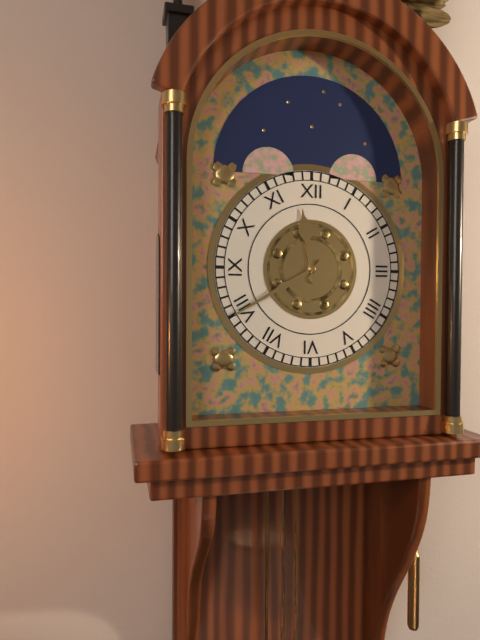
11,40
